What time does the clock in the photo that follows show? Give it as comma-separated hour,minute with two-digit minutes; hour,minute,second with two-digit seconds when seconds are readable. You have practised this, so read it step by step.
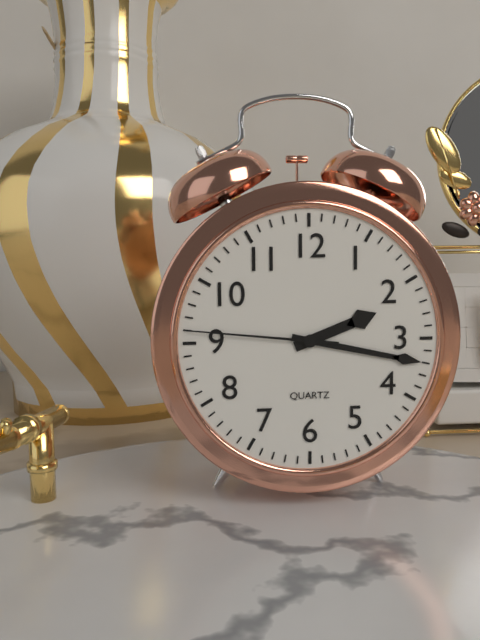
2,17,46
